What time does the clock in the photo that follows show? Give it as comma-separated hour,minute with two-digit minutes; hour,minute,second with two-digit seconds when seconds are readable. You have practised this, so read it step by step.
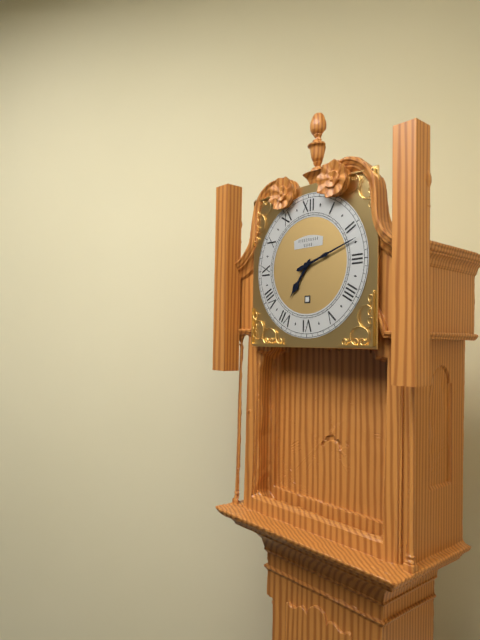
7,12
